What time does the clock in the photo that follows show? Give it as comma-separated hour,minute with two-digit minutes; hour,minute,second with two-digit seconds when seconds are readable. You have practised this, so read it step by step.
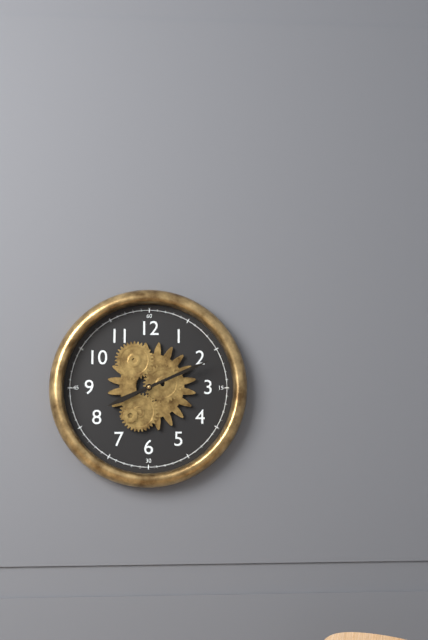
8,11
